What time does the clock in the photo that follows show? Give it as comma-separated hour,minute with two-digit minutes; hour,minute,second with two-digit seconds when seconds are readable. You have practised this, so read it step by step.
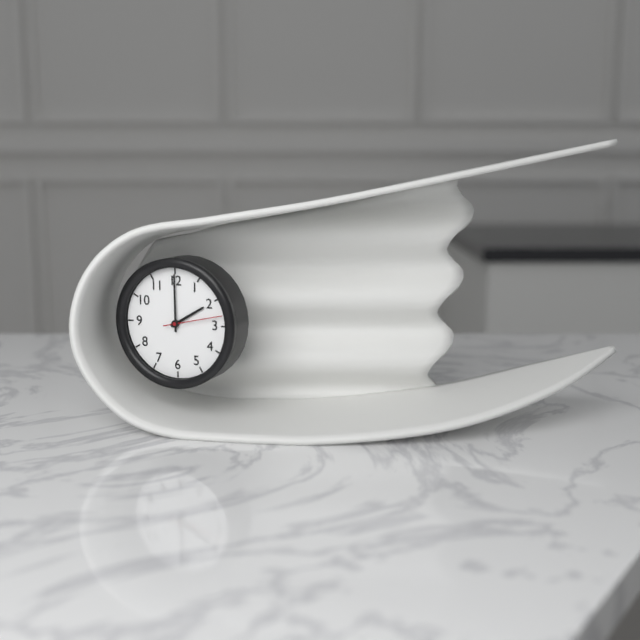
2,00,13
